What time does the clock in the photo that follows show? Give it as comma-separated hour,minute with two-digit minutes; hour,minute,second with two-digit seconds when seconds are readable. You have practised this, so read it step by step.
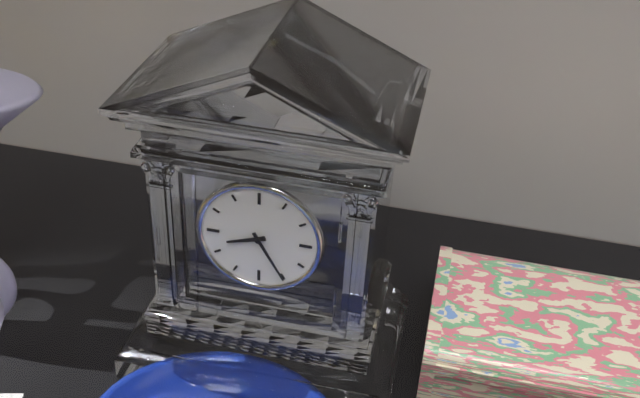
8,25
